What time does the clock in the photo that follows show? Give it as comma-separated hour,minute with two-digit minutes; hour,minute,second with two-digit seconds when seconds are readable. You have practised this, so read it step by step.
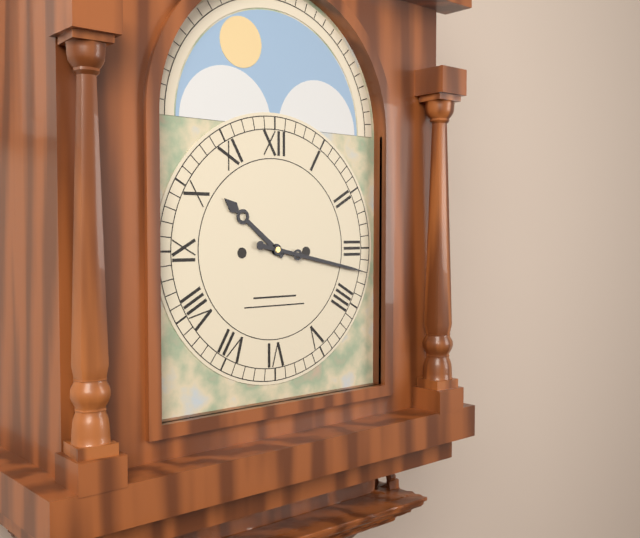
10,17
